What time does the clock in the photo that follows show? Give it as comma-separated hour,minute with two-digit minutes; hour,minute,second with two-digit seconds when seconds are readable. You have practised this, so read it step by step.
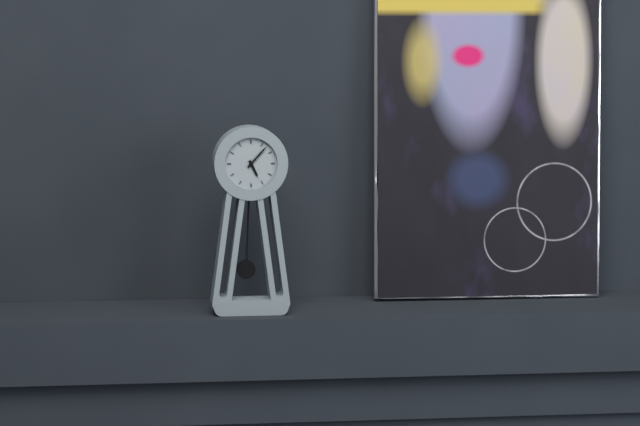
5,07
